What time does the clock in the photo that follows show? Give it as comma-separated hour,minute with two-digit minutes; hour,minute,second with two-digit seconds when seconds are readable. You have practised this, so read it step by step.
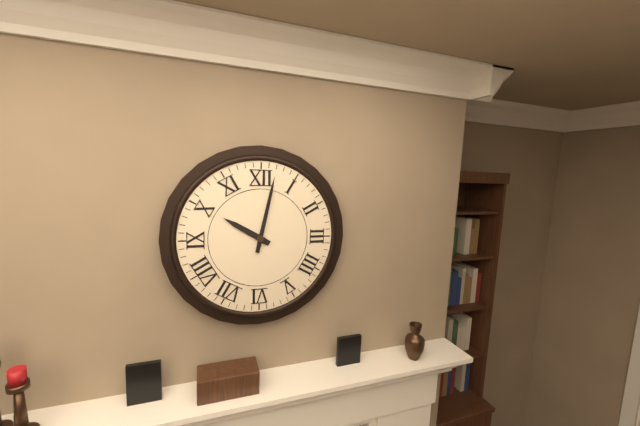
10,02
